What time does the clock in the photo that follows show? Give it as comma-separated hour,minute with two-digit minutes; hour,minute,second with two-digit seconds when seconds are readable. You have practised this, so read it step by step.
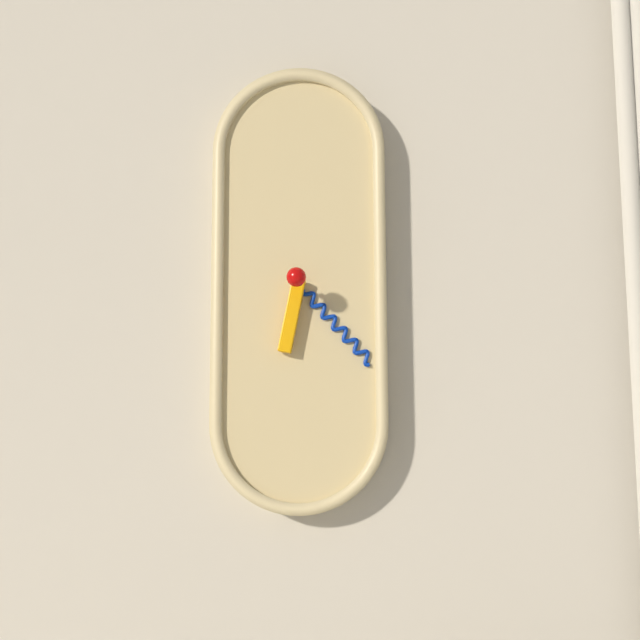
6,23
